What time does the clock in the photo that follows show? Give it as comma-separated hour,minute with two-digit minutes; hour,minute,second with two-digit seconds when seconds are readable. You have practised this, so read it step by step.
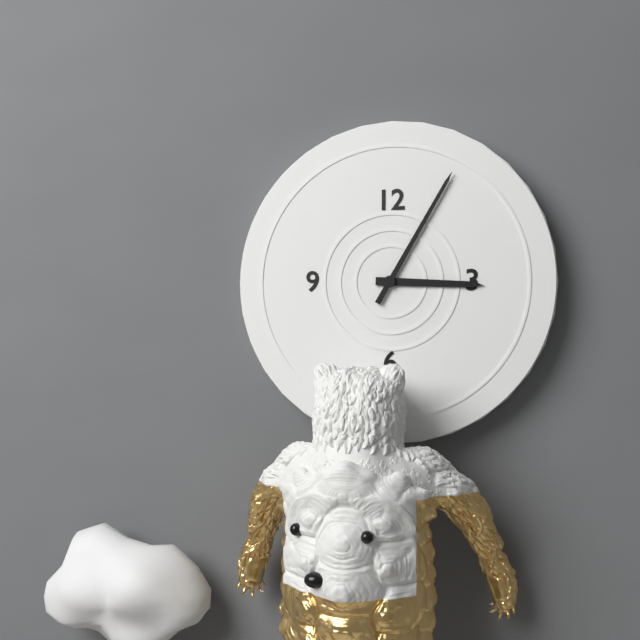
3,05
